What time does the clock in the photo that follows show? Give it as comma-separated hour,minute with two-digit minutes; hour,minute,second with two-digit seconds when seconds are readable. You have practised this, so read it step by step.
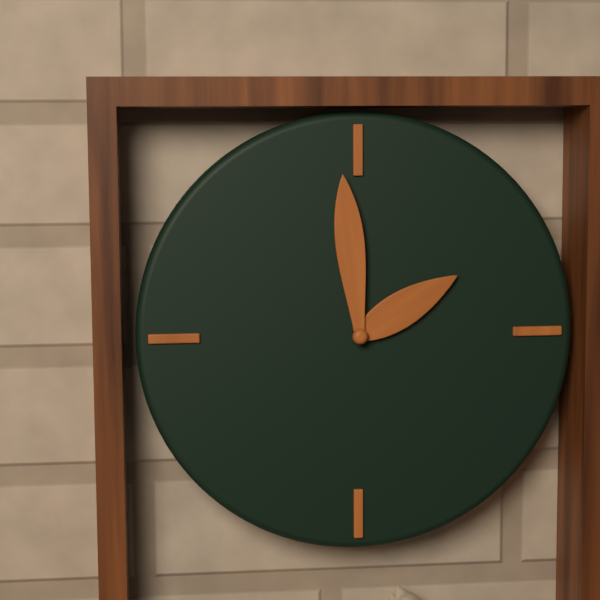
1,59
